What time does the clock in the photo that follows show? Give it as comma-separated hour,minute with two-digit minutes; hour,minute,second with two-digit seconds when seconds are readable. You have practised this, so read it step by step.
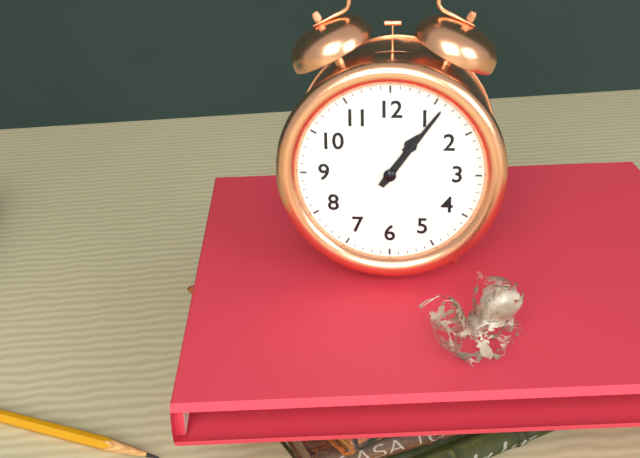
1,06
